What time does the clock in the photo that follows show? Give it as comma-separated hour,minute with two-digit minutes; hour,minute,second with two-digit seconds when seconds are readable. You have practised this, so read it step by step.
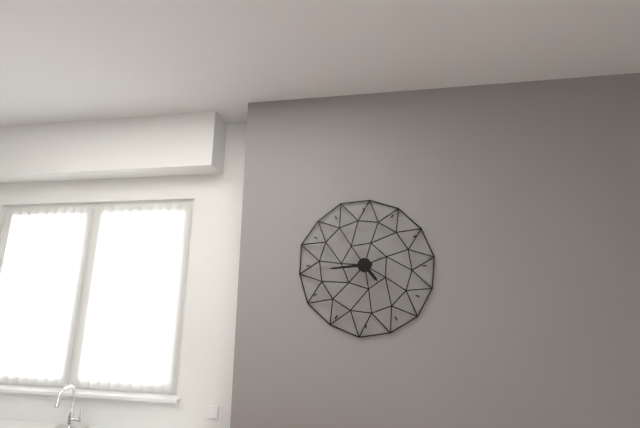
4,44
